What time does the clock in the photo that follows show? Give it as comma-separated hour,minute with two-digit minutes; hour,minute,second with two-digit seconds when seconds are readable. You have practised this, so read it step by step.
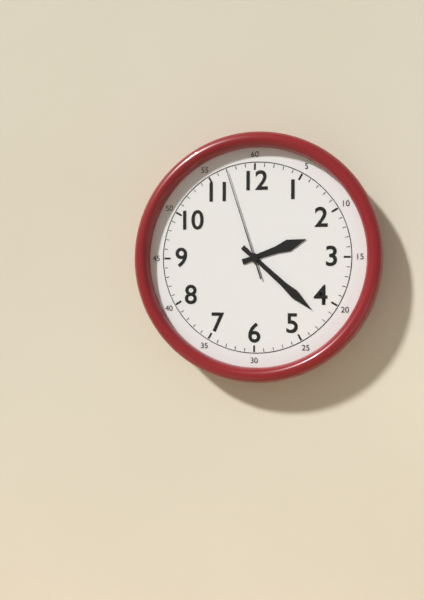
2,22,57
